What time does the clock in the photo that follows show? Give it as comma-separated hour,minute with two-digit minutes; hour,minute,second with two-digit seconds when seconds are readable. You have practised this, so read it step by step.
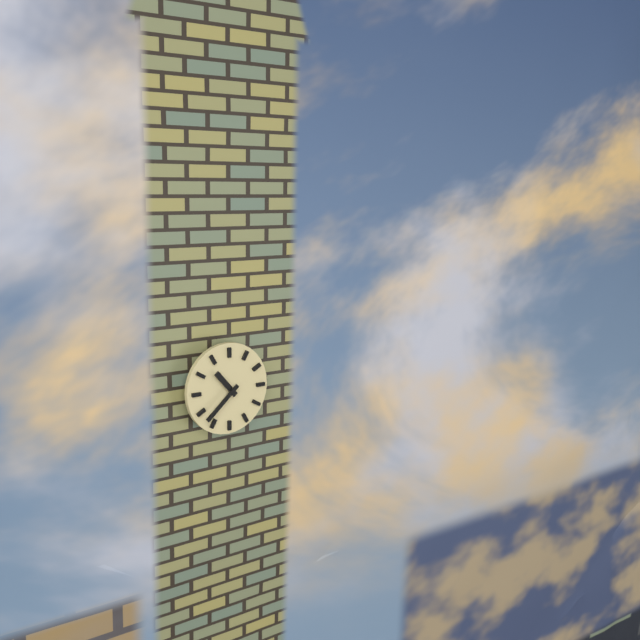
10,38
